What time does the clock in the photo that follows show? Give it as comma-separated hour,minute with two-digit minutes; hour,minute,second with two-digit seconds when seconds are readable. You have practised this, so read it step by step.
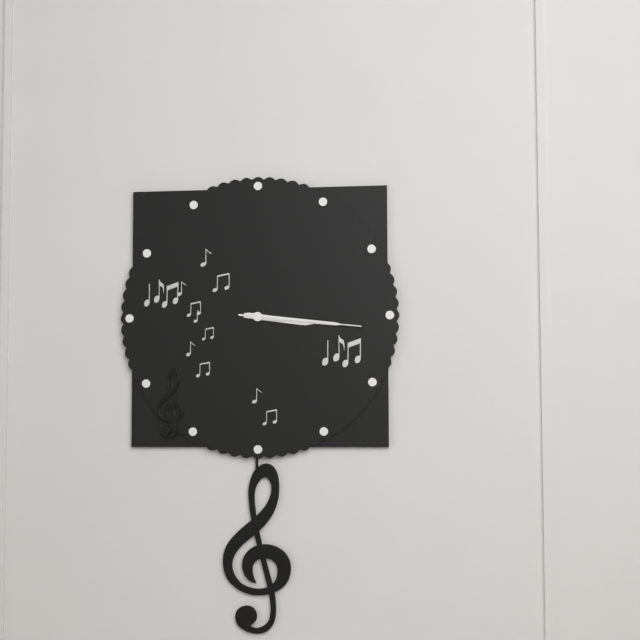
3,16,16
